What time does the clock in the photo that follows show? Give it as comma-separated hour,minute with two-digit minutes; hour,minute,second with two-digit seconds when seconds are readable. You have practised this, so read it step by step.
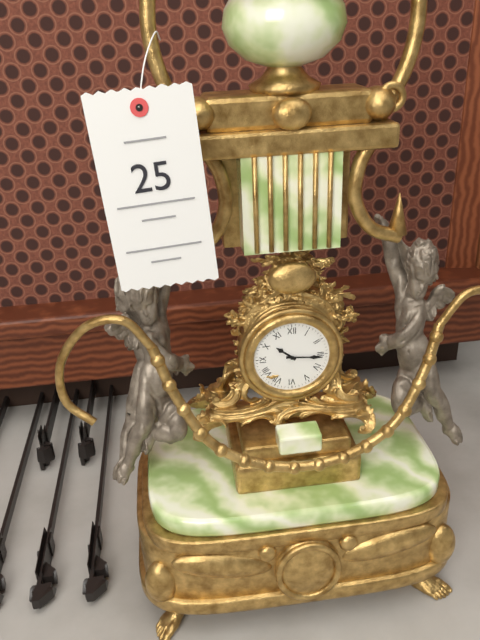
10,16
